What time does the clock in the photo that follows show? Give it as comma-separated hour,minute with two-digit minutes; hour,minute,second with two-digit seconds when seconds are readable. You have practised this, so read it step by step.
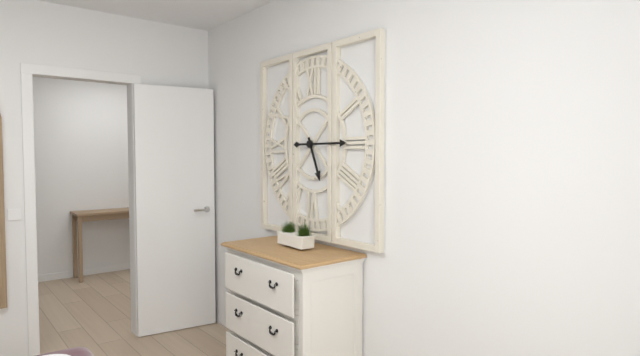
5,15
